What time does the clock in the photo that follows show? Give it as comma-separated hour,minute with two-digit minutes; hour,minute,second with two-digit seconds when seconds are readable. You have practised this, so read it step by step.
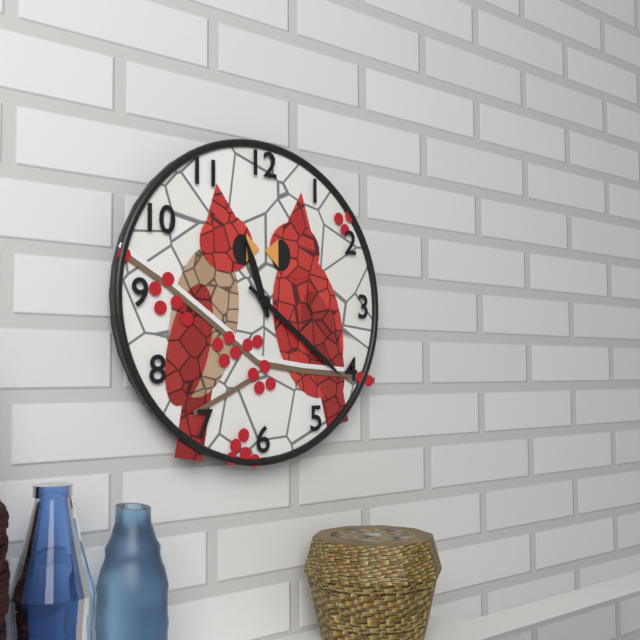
11,21
